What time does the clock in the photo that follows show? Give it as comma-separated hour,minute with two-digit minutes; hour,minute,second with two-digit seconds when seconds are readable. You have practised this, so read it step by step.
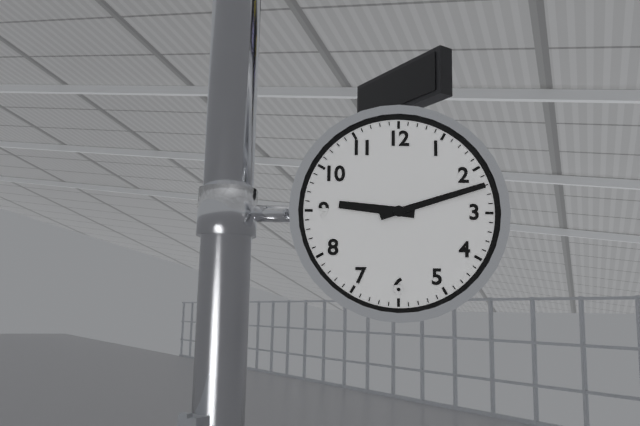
9,12
